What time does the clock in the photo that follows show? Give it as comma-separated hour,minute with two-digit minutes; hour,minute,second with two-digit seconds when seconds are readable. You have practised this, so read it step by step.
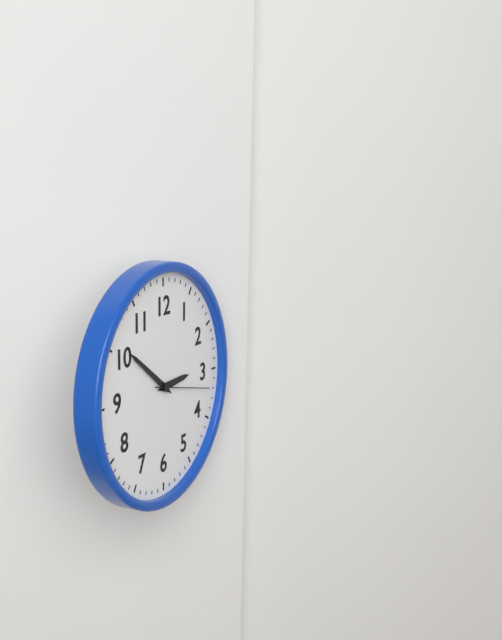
2,51,17
